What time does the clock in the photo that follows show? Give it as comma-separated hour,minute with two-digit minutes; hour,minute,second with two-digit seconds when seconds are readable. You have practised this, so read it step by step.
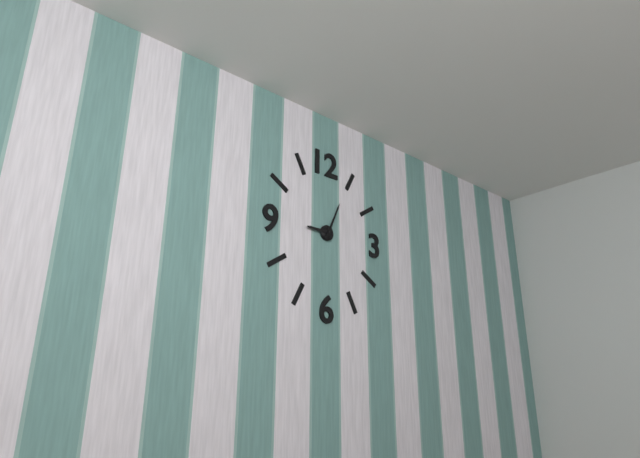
9,04
